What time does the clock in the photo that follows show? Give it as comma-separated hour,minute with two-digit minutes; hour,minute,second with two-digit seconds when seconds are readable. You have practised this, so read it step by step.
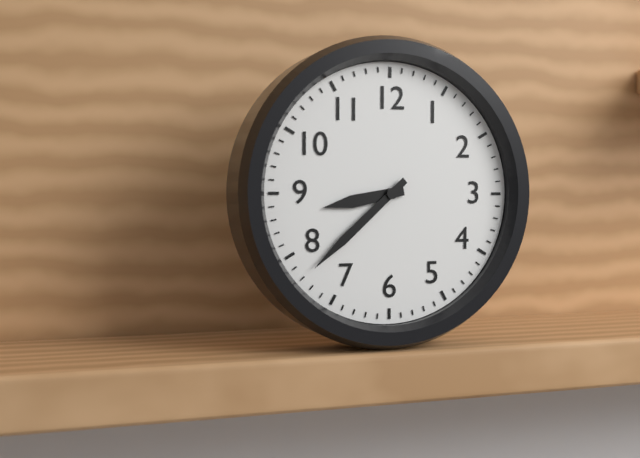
8,38
